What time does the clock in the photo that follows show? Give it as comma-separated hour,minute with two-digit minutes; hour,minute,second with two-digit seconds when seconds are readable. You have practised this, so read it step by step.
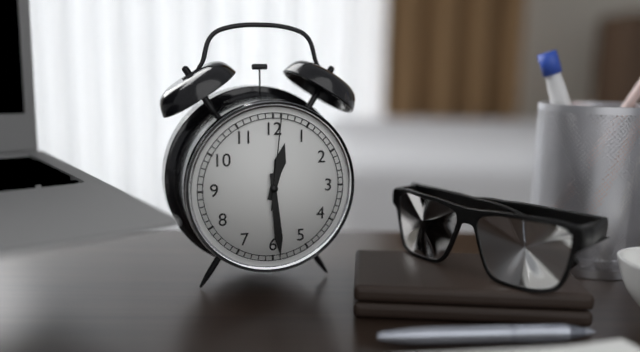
12,29,01
